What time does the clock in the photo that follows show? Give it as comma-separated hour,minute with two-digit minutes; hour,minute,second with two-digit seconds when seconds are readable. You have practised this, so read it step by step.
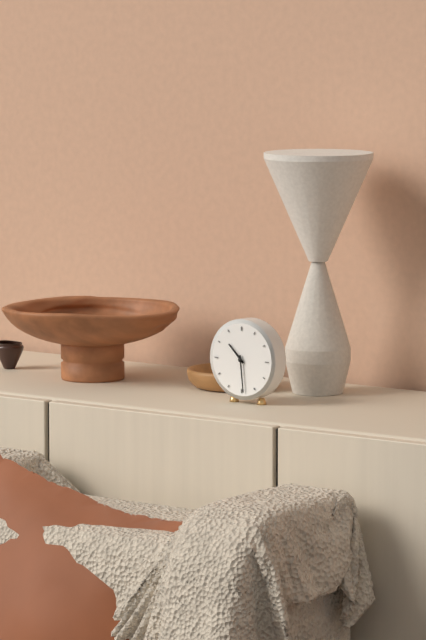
10,29
